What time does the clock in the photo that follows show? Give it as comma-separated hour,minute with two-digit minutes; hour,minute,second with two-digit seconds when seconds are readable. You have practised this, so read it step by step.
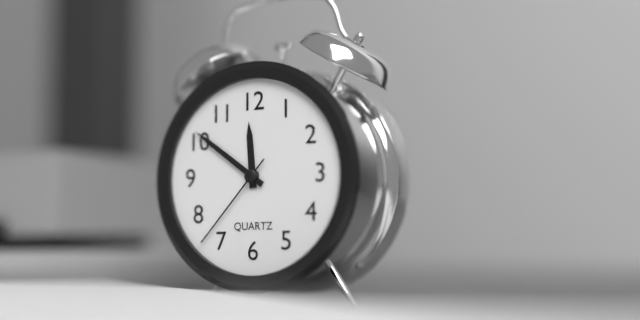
11,51,37
